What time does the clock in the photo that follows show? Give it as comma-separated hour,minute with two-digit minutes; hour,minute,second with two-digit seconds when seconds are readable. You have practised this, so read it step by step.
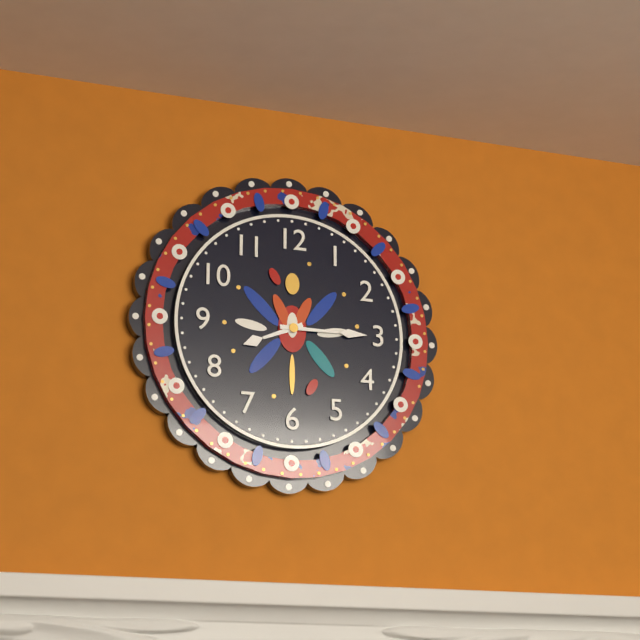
8,15
